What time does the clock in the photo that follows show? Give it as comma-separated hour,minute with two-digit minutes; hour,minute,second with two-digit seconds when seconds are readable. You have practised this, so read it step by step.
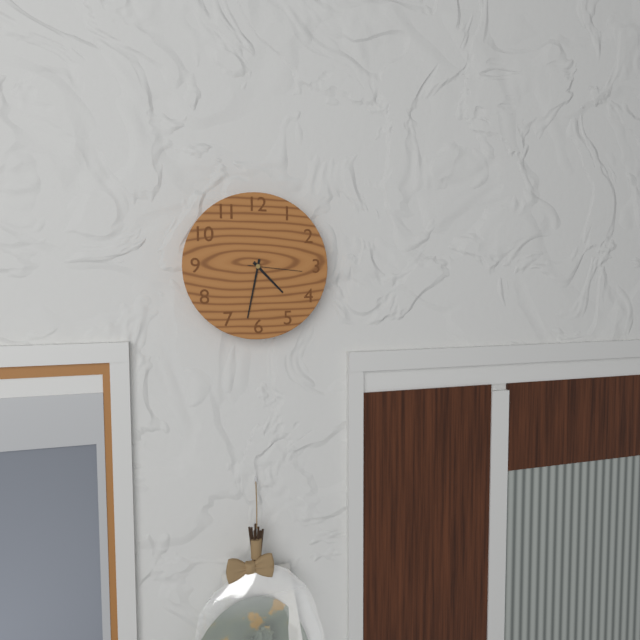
4,32,16
